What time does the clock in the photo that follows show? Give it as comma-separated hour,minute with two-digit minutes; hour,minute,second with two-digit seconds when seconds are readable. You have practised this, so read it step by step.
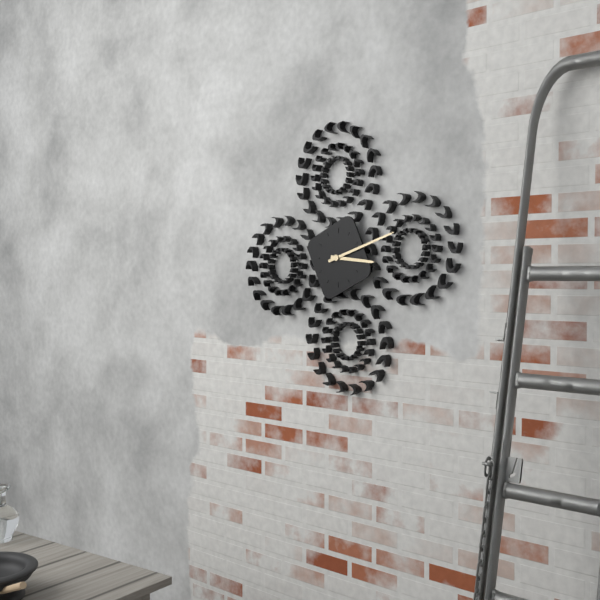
3,12
